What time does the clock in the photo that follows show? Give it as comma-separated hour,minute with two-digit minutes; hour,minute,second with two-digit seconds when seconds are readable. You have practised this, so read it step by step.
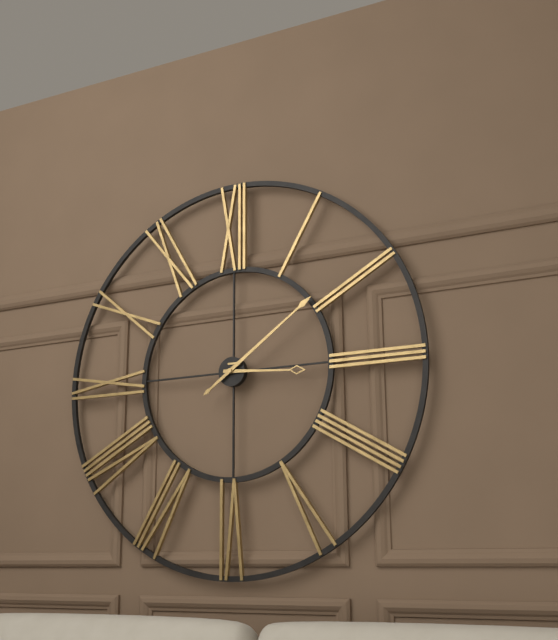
3,09
